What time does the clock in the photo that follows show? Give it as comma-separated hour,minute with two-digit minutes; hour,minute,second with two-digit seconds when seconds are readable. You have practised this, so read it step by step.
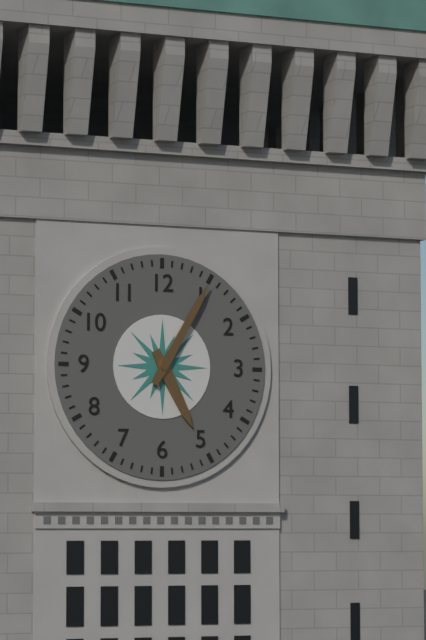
5,05
